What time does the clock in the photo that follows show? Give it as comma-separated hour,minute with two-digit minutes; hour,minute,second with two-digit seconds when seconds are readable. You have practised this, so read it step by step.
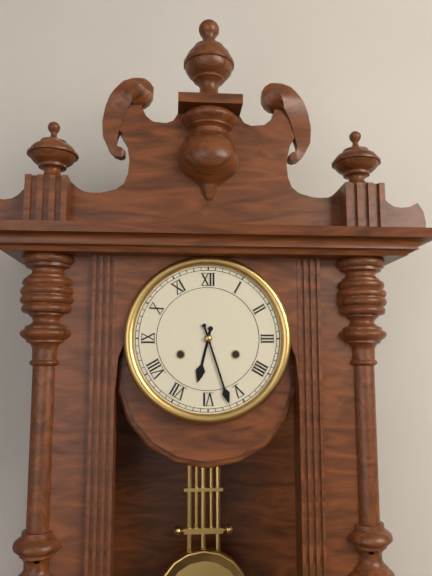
6,27
